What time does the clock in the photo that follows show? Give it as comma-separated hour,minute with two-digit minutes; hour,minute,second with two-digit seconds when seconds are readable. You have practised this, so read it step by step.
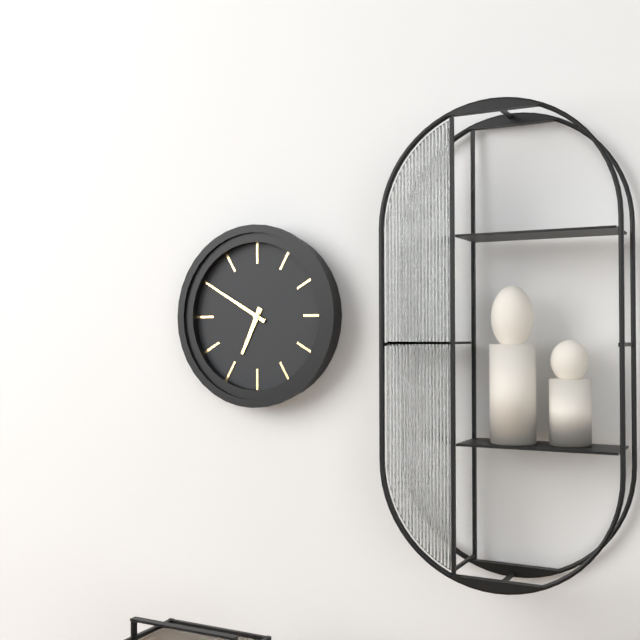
6,50
